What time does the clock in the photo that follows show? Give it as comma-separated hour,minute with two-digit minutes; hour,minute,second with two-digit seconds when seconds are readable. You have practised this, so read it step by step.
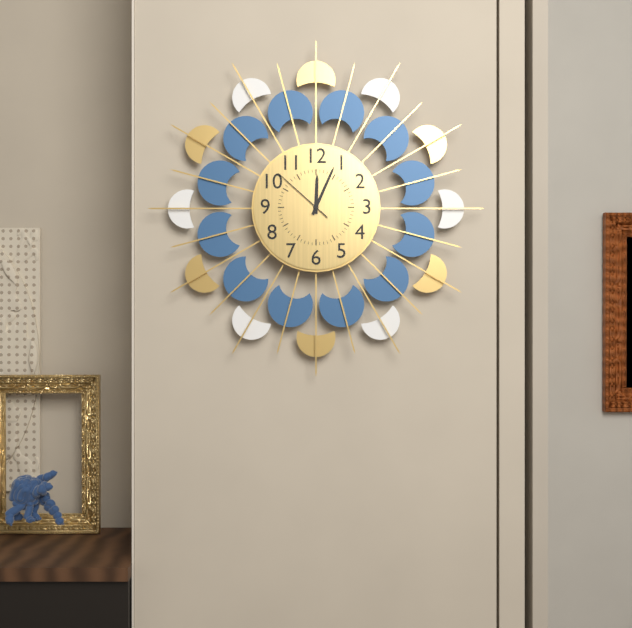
12,04,52
